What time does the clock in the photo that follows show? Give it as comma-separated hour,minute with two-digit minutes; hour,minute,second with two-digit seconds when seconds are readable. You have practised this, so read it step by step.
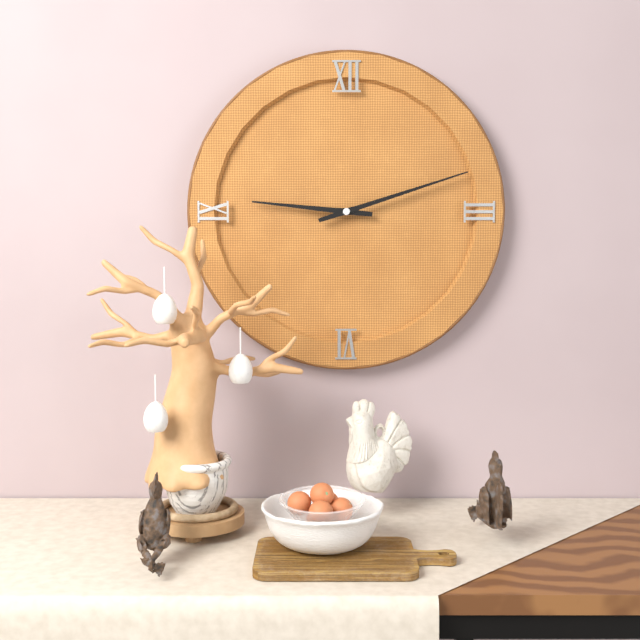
9,12
